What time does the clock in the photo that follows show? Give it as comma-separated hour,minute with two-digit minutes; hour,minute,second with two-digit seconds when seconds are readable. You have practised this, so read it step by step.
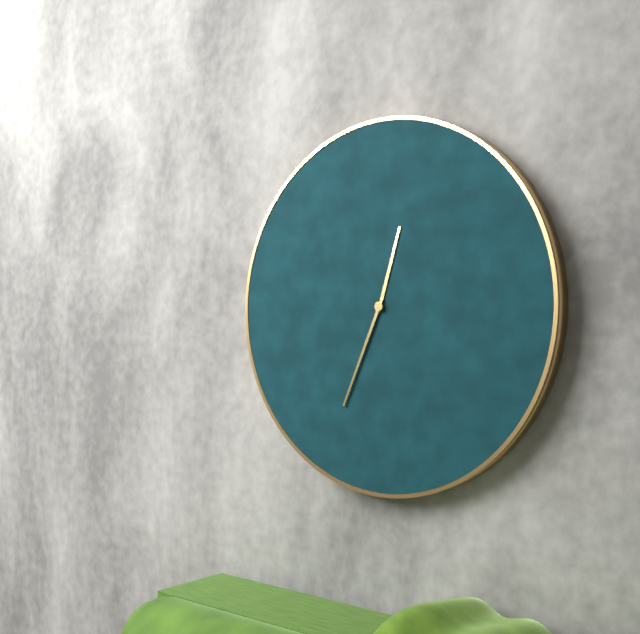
12,34
